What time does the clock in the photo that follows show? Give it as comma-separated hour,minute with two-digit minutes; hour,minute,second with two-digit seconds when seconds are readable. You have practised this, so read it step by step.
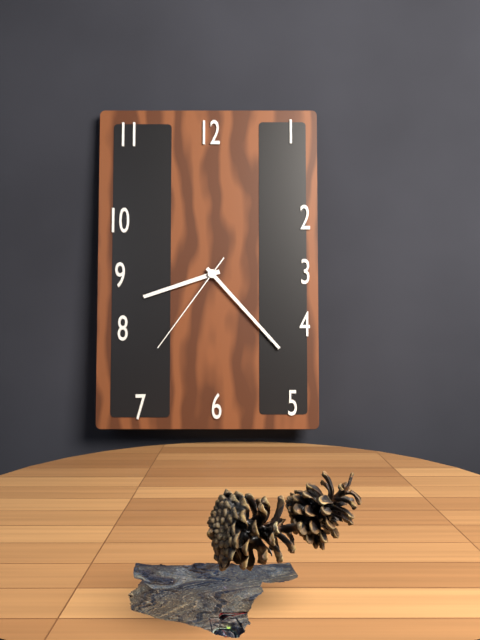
8,23,36
